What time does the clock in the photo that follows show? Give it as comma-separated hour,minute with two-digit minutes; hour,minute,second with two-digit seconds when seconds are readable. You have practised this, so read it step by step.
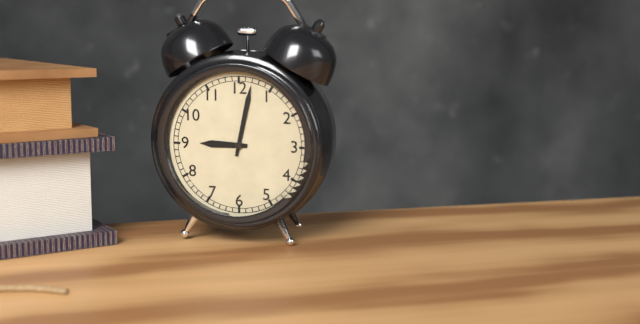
9,02
